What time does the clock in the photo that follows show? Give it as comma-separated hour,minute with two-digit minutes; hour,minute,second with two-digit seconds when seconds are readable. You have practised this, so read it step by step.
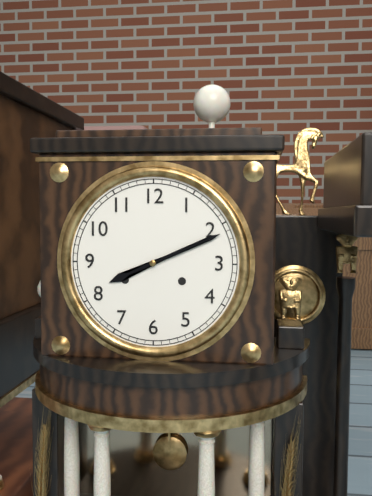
8,11
